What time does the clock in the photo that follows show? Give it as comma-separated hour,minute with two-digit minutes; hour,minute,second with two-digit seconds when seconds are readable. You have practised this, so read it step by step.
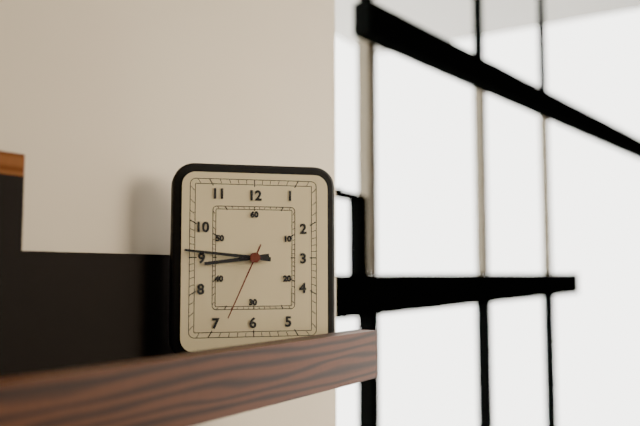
8,46,34
